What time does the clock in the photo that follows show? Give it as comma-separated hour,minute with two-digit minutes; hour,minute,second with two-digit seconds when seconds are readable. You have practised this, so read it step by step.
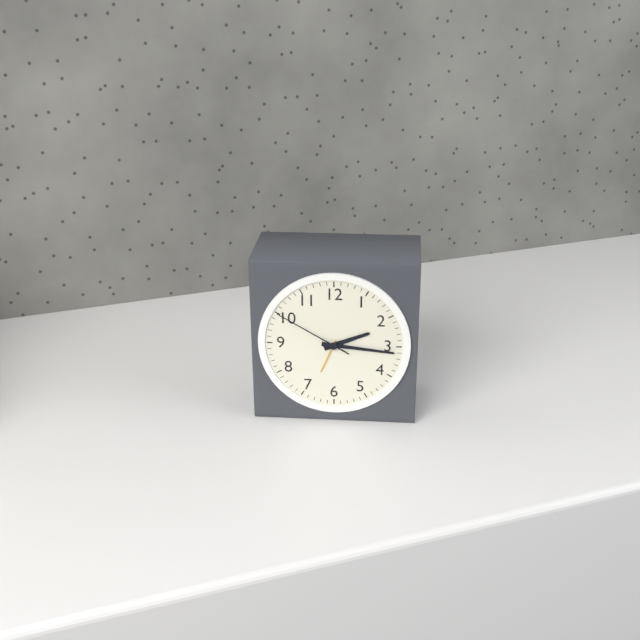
2,16,50
